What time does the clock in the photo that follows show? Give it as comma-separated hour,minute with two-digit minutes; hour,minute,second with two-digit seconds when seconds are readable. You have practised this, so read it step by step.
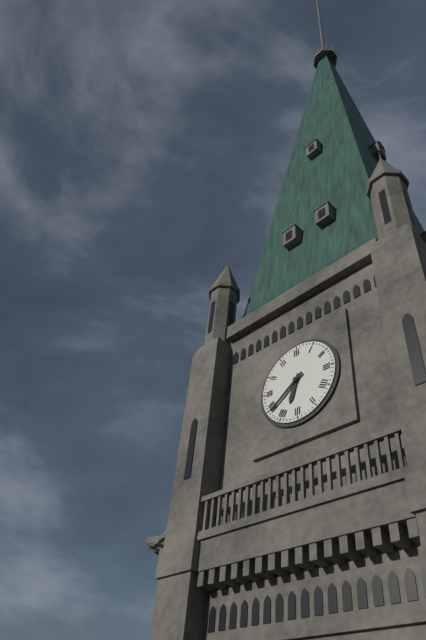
6,39
